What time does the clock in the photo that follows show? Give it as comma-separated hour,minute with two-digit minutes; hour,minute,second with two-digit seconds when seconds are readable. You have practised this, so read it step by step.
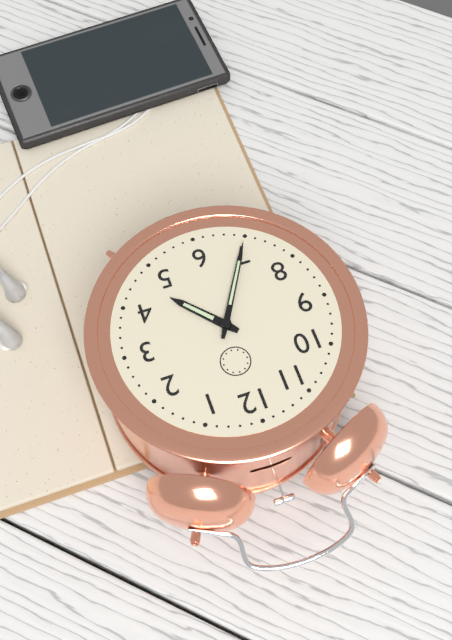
4,35
